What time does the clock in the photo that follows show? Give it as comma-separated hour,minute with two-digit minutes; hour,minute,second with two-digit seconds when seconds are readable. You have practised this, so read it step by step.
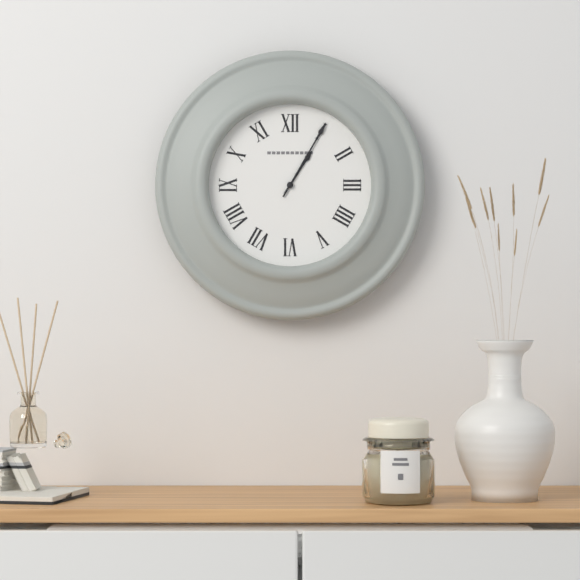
1,05
